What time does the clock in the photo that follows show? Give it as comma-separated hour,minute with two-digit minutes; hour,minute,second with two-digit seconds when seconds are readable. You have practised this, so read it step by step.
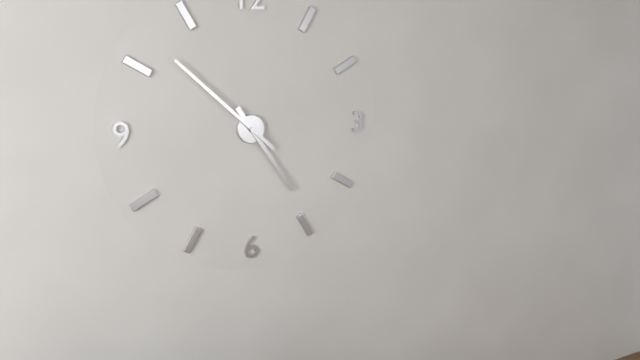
4,52
